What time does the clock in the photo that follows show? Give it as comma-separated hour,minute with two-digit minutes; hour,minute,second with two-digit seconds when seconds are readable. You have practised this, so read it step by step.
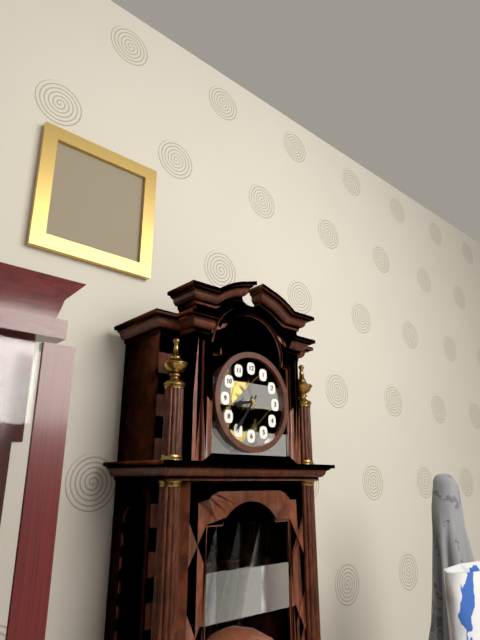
8,36
